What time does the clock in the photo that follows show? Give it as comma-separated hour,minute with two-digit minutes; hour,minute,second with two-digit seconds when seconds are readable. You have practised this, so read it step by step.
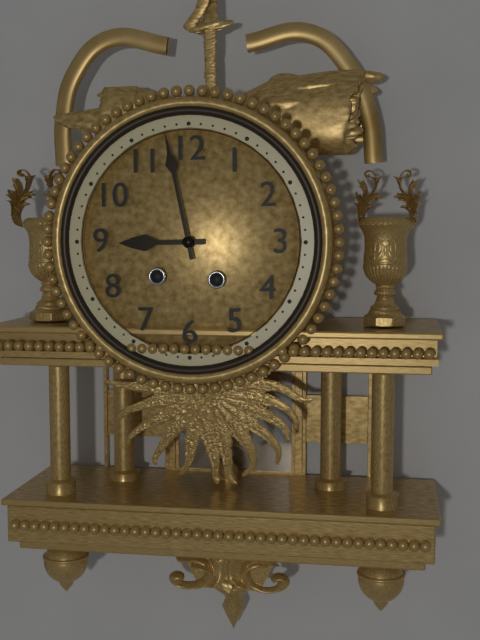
8,58
